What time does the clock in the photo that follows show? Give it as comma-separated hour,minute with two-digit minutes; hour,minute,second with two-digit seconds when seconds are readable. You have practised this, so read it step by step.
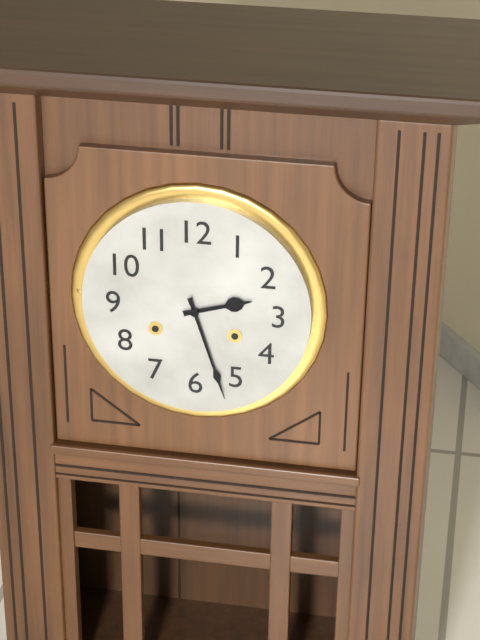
2,27
